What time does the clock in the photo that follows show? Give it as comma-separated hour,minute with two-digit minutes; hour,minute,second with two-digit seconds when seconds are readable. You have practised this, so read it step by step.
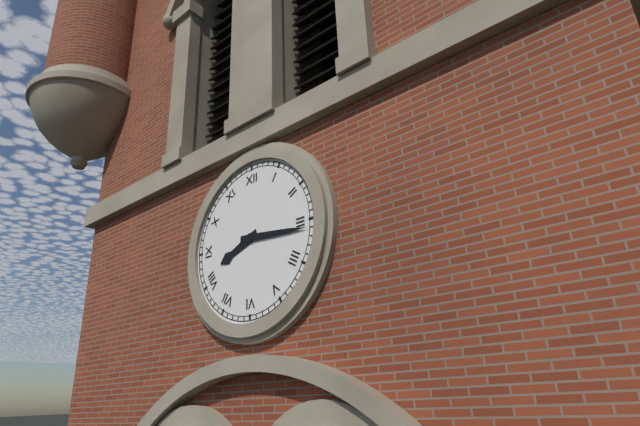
8,16
